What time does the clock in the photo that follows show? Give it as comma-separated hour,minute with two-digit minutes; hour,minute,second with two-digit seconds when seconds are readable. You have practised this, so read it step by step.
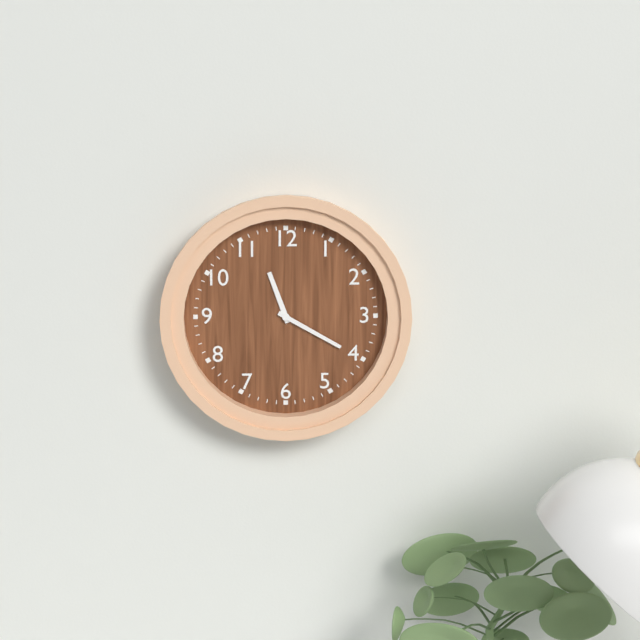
11,20
